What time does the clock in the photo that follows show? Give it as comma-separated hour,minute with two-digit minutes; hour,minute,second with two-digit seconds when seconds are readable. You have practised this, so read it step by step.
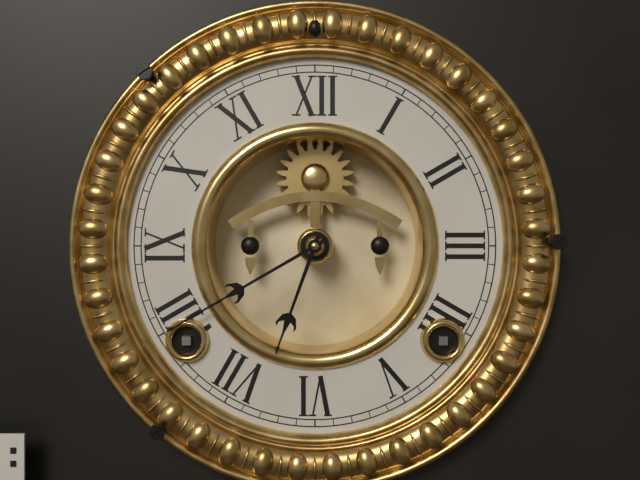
6,40
